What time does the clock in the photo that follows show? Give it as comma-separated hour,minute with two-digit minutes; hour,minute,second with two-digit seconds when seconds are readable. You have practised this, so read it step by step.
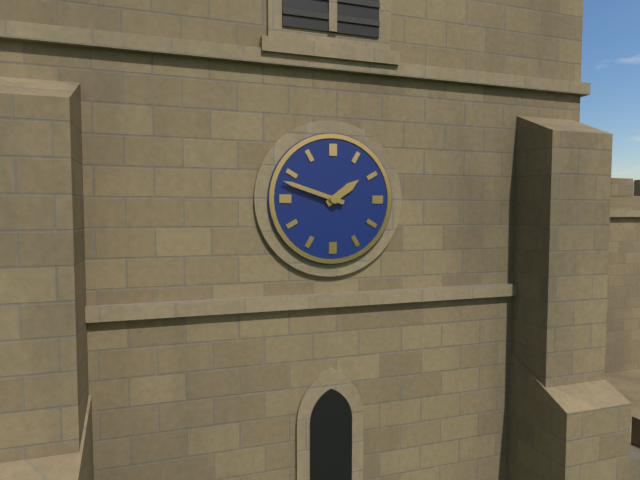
1,48
